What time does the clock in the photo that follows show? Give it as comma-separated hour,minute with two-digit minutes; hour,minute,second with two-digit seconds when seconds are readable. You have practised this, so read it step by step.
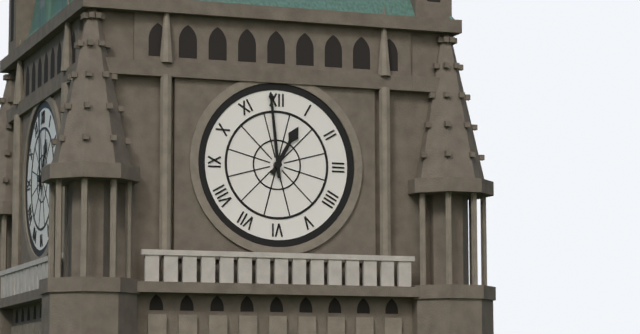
12,59
